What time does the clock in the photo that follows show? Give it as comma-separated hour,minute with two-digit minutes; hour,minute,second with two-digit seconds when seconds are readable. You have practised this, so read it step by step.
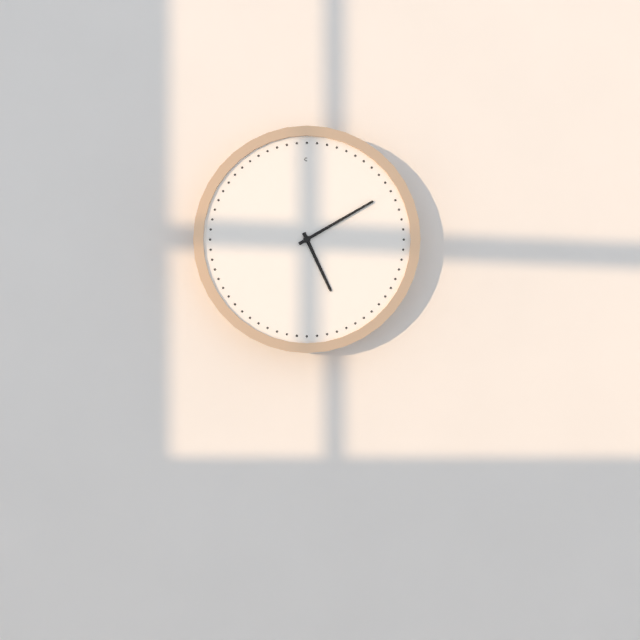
5,10
